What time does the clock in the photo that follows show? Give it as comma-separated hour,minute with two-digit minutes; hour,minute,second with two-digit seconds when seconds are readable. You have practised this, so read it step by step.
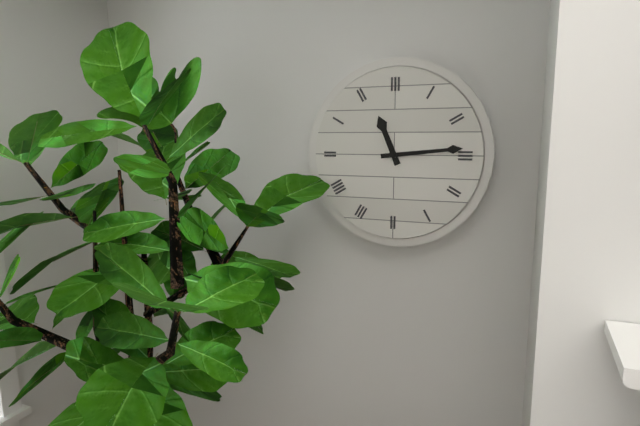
11,14
